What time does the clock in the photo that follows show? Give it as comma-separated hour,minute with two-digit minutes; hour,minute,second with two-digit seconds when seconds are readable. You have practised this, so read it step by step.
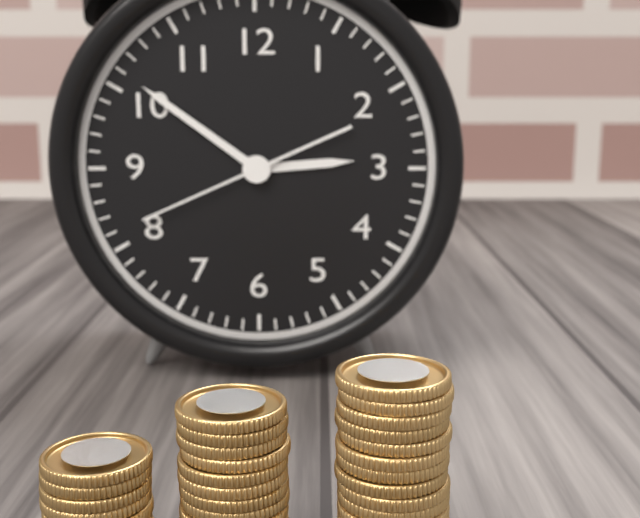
2,51,41
